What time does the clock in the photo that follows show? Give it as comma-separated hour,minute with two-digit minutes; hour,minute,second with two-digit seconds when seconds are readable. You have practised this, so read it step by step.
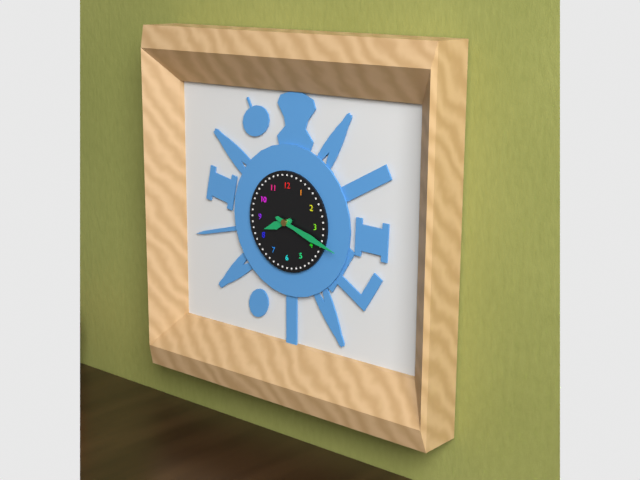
8,18
